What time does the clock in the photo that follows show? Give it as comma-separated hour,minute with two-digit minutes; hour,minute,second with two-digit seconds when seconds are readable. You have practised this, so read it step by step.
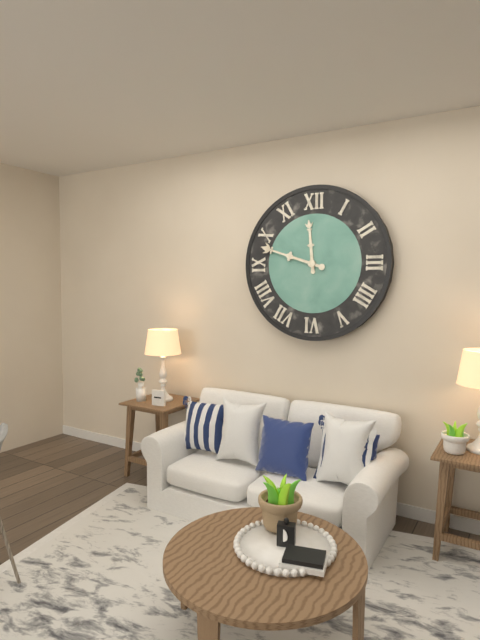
11,48
